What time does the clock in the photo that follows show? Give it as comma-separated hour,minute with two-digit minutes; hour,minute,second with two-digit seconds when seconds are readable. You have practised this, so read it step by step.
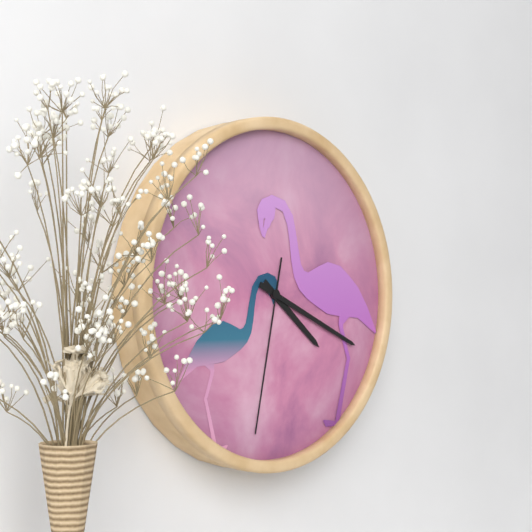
4,19,32
